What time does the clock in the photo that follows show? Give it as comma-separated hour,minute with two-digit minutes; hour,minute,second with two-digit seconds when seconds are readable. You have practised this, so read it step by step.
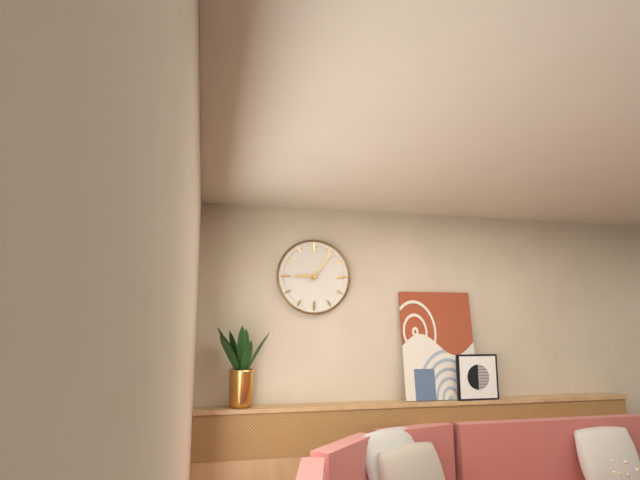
9,06
